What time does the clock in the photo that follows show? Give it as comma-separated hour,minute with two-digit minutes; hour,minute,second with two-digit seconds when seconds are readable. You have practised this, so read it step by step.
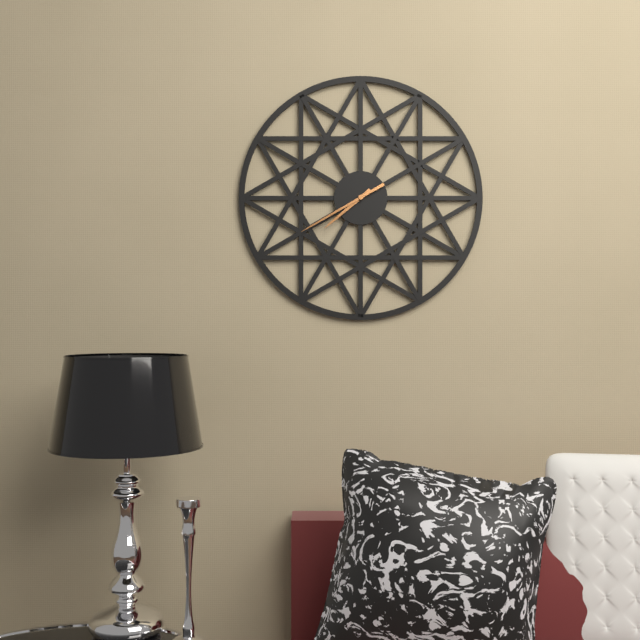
7,40
